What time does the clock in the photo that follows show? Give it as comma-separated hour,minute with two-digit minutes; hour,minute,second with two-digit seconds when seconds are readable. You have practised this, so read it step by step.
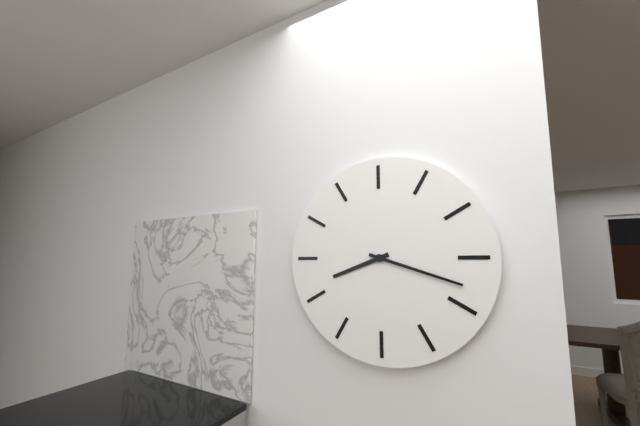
8,18
